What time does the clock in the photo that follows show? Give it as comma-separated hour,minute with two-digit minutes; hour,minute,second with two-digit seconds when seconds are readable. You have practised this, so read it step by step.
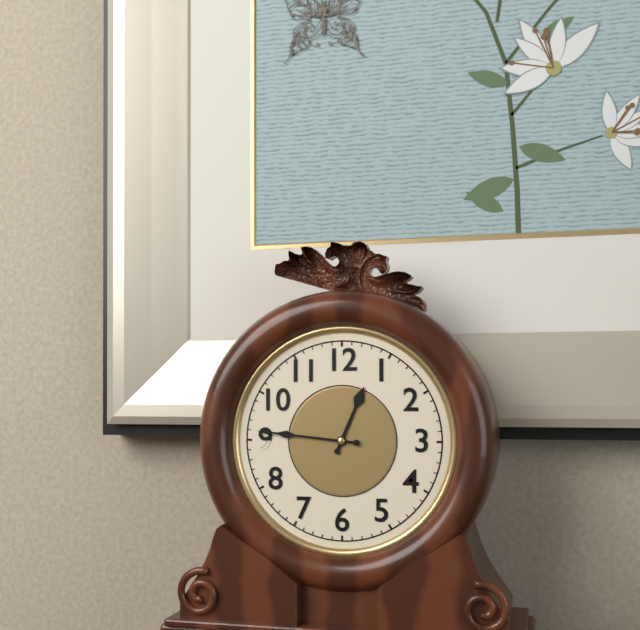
12,46
